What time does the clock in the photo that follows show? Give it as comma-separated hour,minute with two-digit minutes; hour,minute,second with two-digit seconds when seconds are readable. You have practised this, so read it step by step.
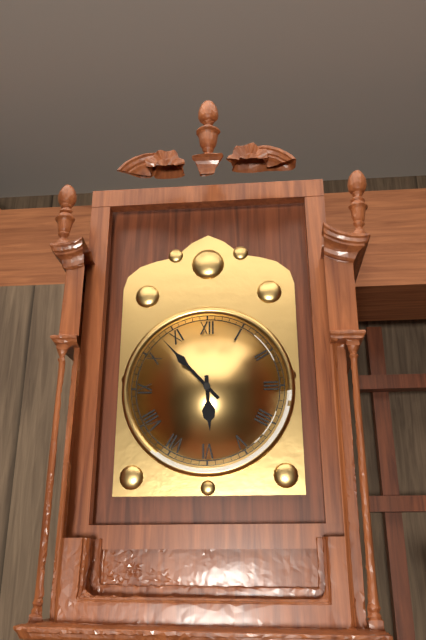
5,53
